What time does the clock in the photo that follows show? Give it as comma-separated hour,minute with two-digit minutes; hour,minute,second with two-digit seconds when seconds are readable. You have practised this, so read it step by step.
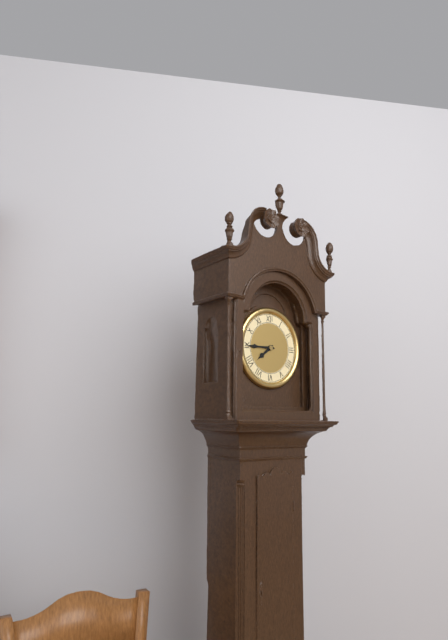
7,45
